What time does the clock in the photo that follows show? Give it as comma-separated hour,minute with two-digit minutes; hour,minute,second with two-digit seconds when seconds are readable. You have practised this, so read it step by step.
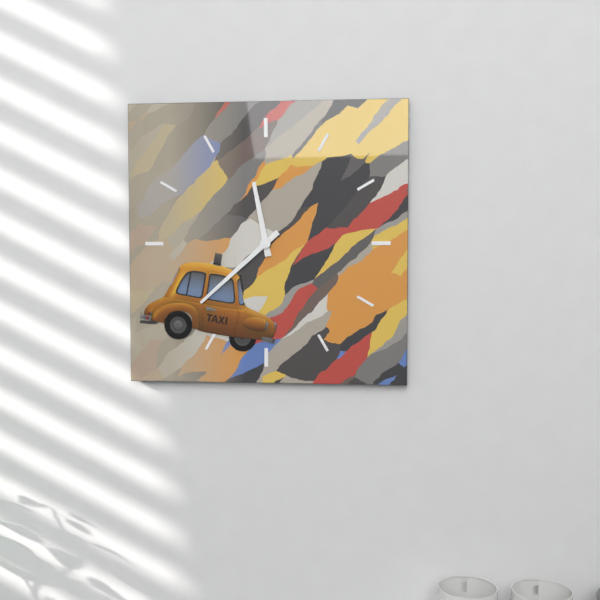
11,38
